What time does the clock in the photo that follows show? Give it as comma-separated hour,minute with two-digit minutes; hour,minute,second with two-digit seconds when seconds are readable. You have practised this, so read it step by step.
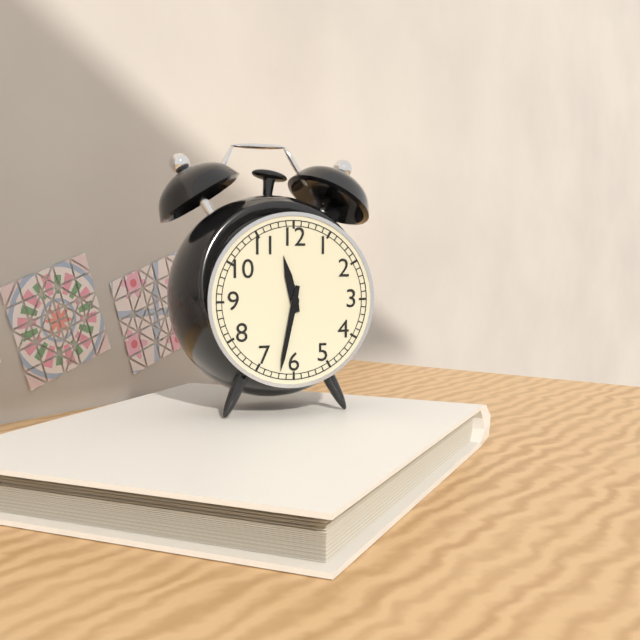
11,32
